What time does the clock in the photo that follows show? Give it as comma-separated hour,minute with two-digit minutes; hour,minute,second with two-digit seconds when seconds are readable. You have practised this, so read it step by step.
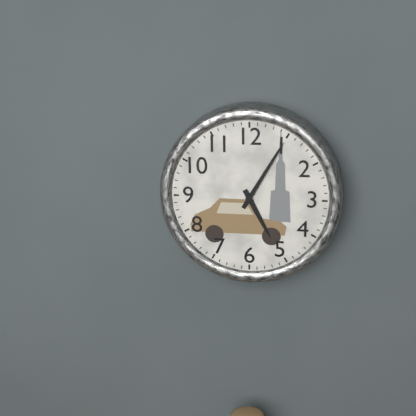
5,05
